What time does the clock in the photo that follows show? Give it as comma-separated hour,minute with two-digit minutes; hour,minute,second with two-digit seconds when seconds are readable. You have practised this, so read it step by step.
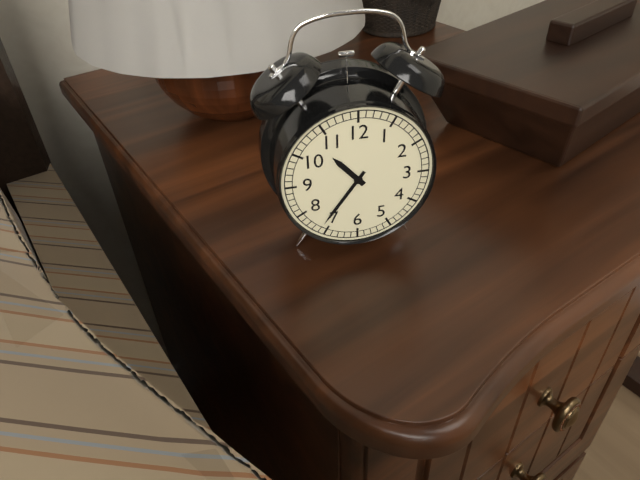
10,36
